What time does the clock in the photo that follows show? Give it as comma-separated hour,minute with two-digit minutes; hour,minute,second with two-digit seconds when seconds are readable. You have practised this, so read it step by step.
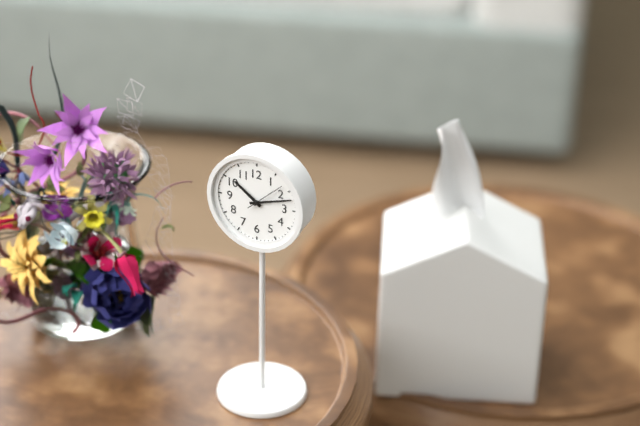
10,12
